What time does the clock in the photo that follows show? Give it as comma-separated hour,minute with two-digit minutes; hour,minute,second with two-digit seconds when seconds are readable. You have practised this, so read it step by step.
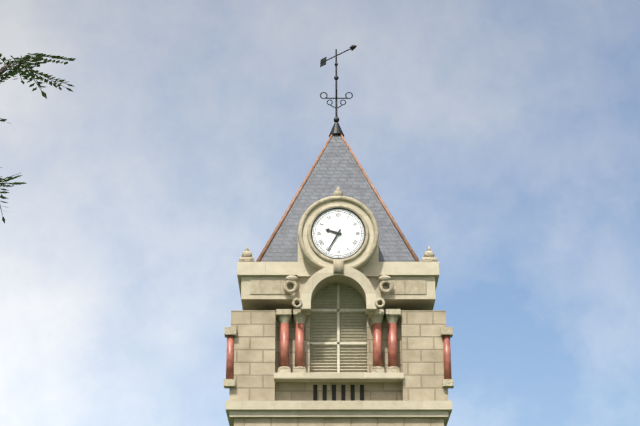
9,35
